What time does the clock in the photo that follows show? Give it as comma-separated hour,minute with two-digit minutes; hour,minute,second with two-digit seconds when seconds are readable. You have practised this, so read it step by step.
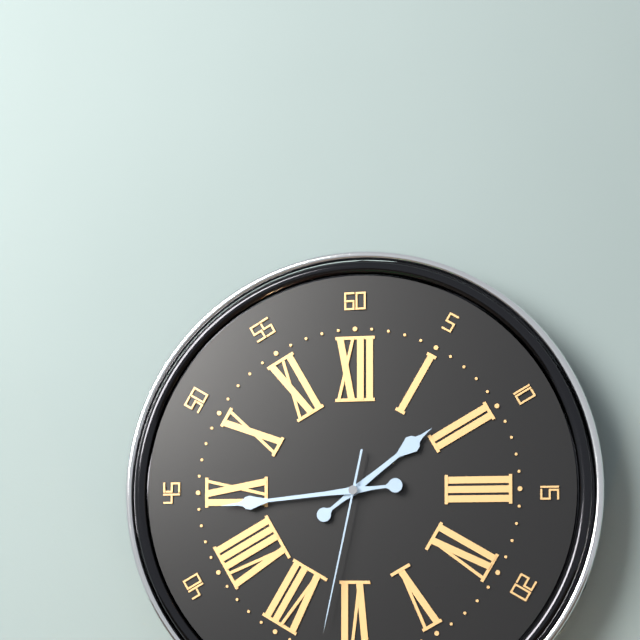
1,44,32
